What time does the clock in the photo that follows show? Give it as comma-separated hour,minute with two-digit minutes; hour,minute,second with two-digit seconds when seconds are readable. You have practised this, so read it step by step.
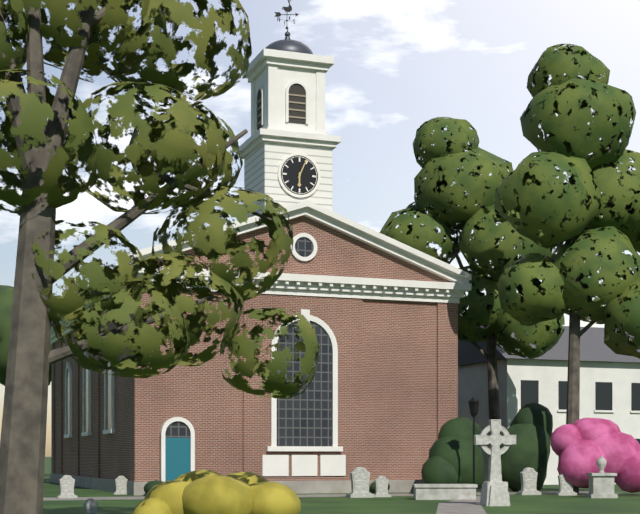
6,04
